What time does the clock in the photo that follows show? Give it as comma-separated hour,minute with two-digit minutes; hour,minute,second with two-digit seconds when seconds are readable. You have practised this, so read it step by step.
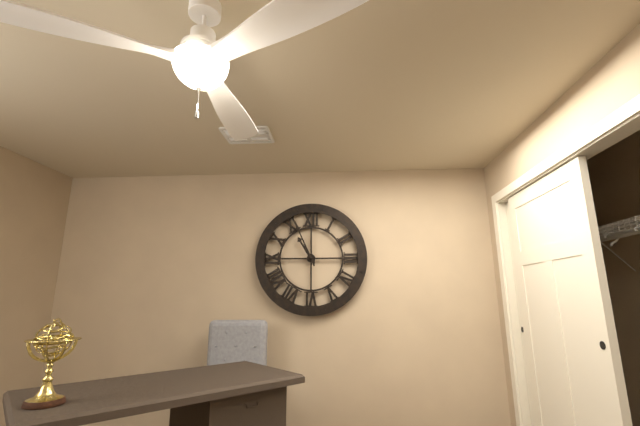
10,56
